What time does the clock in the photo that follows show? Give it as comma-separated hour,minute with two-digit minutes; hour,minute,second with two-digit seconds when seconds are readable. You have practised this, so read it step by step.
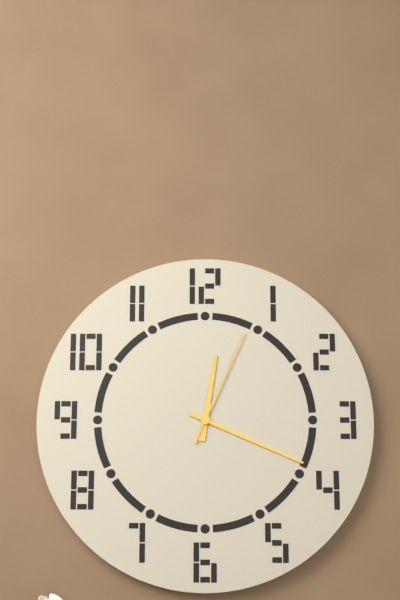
12,19,04
